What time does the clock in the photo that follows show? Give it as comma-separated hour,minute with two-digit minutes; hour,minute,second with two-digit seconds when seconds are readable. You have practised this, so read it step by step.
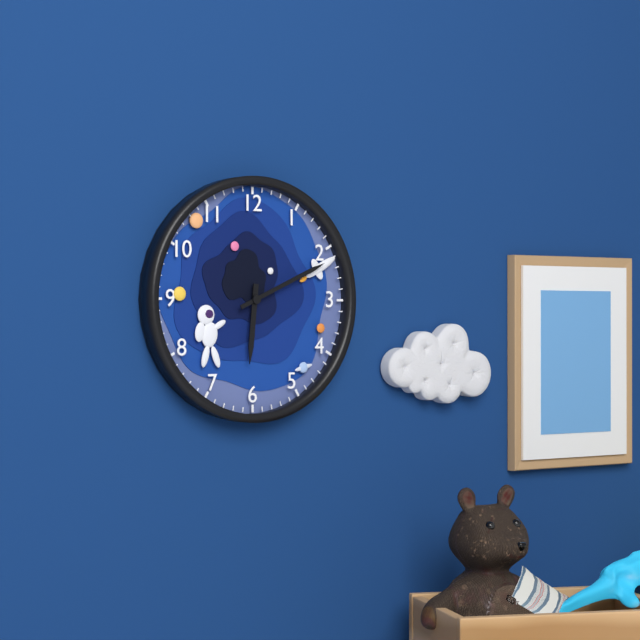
6,11
